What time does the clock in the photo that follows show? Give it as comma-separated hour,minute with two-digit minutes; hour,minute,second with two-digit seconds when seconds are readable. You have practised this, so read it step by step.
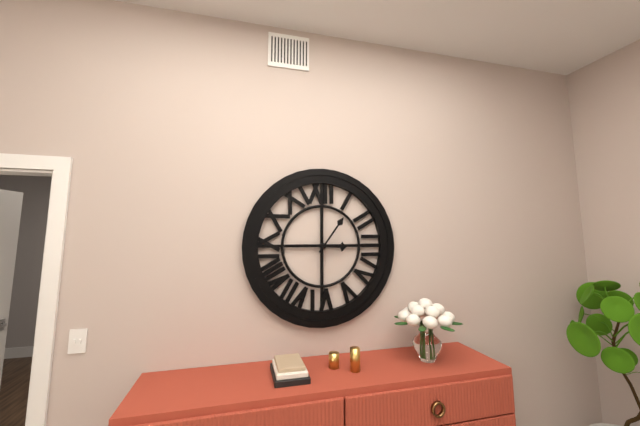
3,06
